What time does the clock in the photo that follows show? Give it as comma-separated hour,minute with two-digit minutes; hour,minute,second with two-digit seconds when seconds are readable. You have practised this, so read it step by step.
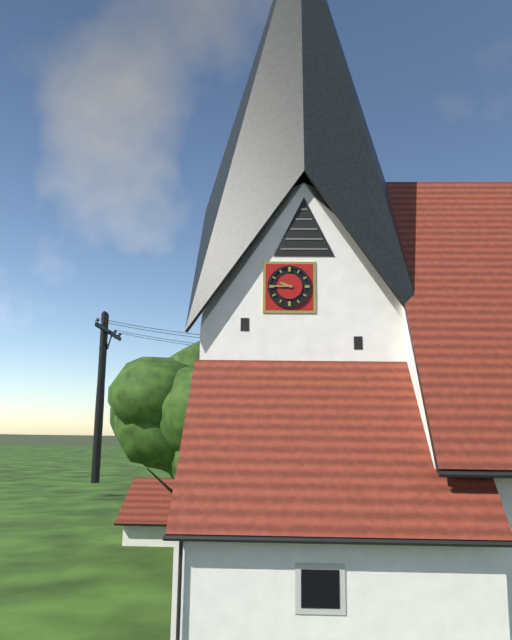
9,45
